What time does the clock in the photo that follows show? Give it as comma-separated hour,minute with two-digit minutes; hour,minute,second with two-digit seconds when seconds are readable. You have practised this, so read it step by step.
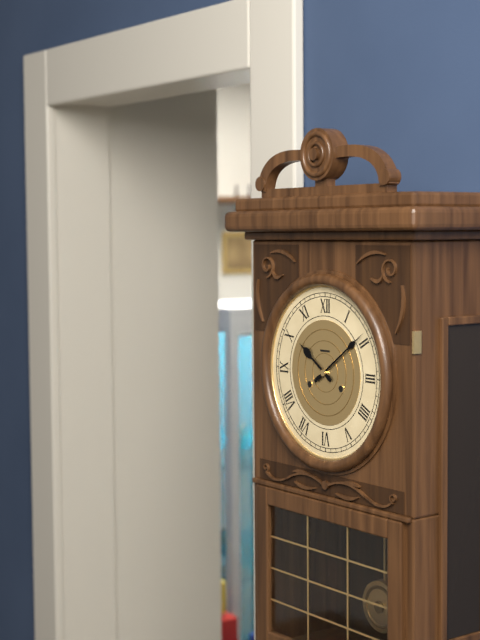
10,09
